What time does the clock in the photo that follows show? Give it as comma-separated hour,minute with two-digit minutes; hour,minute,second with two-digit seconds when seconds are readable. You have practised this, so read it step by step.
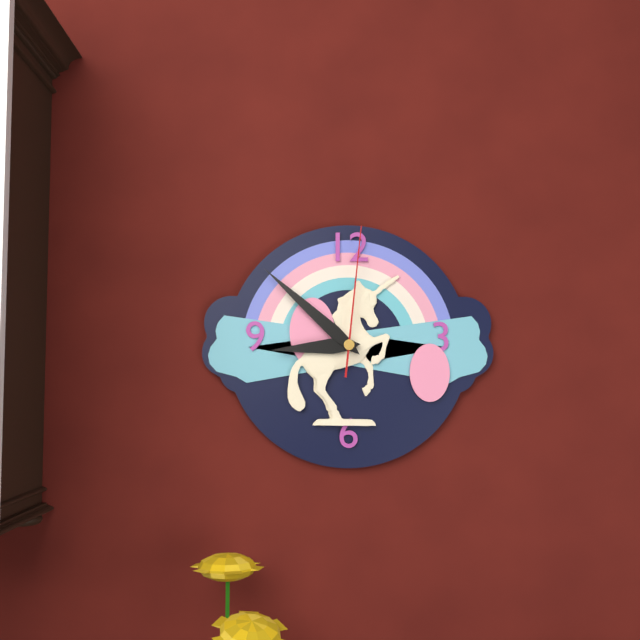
8,52,01
